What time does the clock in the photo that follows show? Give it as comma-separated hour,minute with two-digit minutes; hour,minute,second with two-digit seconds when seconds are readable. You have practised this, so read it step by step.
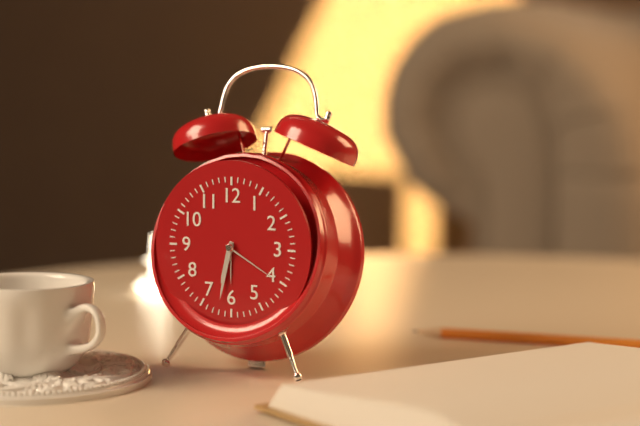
6,32,20
